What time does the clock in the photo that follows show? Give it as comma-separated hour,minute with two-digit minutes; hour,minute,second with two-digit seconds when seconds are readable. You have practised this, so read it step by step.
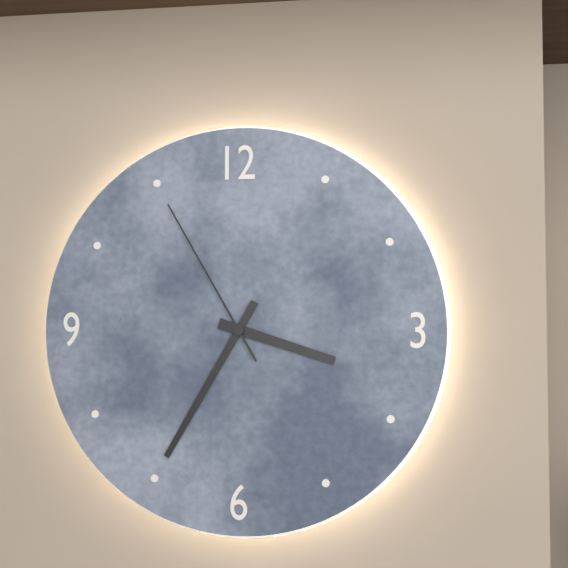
3,35,55
